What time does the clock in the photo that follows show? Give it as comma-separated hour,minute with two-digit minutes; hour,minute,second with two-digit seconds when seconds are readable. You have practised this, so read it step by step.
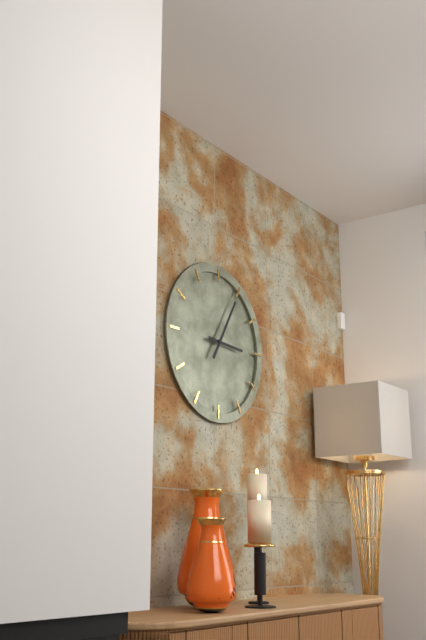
3,05
